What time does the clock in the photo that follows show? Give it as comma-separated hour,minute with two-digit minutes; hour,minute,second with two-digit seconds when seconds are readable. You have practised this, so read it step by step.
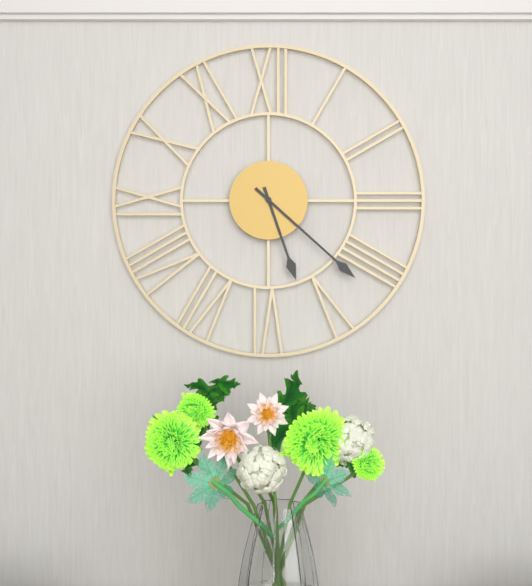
5,22
